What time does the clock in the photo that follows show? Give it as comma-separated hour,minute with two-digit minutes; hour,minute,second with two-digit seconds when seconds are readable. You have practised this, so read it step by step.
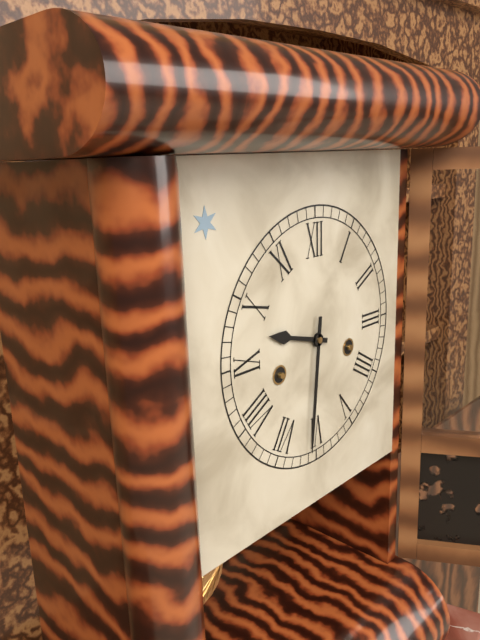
9,31
